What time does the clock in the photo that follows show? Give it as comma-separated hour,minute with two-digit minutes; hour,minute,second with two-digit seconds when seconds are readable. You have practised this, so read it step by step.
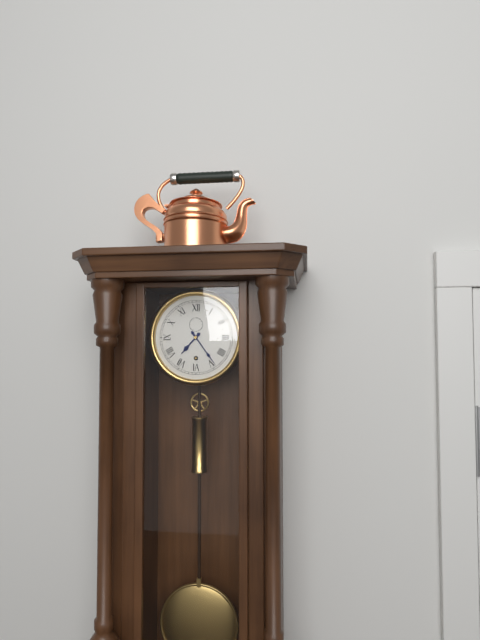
7,24
